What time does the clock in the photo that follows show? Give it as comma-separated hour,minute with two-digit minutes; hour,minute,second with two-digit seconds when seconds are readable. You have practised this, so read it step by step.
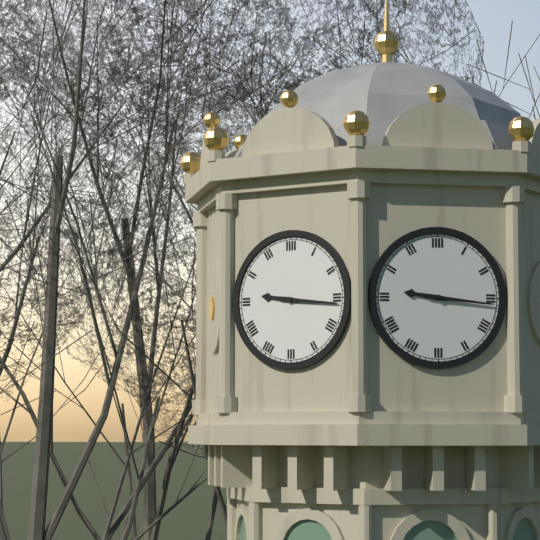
9,16
